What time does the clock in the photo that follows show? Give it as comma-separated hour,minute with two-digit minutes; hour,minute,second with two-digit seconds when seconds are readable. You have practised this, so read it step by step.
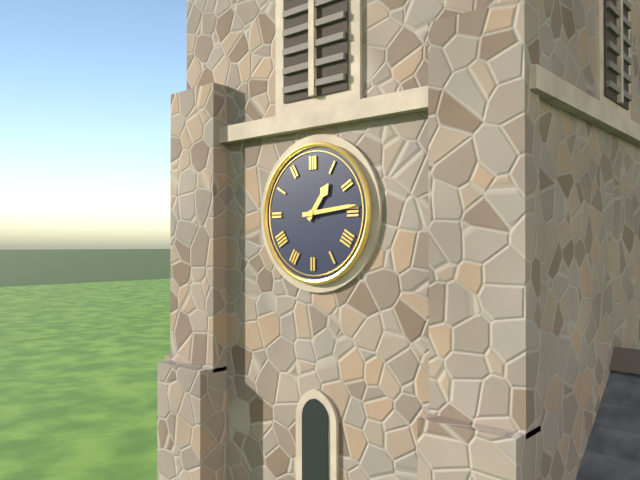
1,14
